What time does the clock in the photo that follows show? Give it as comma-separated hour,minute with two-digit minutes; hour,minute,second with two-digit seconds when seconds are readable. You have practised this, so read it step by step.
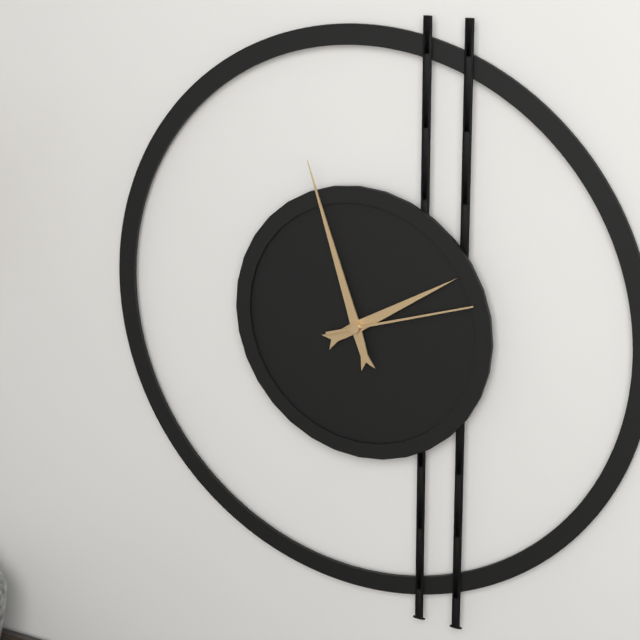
1,57,12
